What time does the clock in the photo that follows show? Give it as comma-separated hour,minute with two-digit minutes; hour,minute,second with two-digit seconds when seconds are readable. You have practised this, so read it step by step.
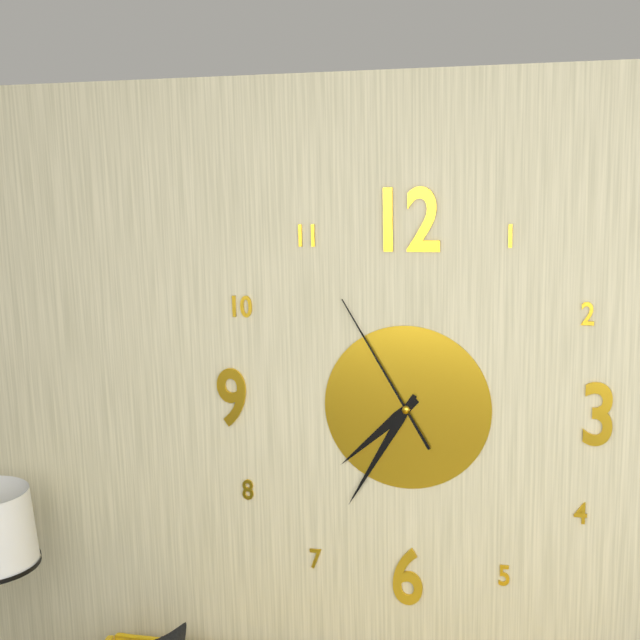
7,35,55
